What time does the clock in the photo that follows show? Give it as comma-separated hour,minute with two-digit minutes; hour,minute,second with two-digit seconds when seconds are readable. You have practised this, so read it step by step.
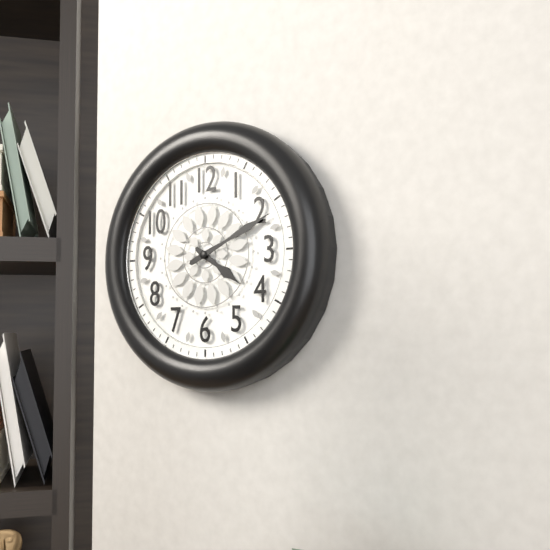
4,11
